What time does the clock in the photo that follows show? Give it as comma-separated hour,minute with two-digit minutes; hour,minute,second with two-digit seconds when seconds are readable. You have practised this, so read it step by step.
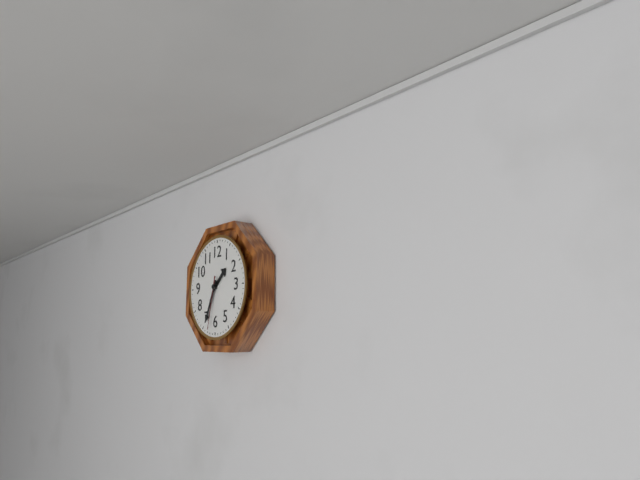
1,34,32
